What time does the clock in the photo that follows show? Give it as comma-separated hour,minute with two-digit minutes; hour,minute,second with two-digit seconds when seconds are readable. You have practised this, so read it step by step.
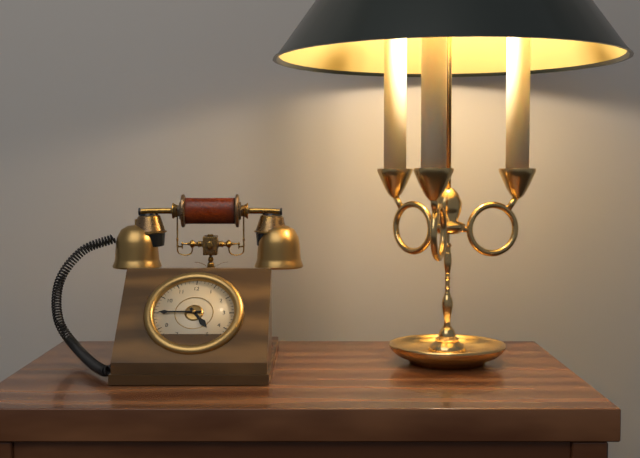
4,45
